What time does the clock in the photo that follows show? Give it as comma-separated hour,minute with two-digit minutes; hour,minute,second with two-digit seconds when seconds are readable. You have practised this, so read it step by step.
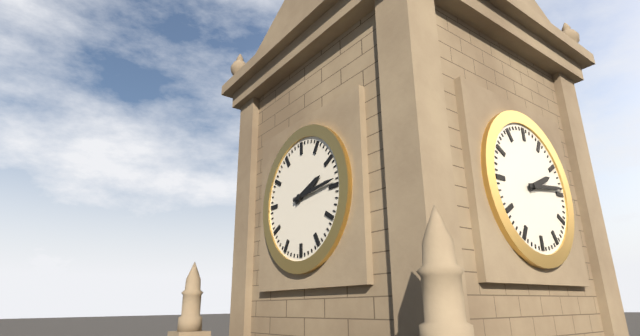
2,14
